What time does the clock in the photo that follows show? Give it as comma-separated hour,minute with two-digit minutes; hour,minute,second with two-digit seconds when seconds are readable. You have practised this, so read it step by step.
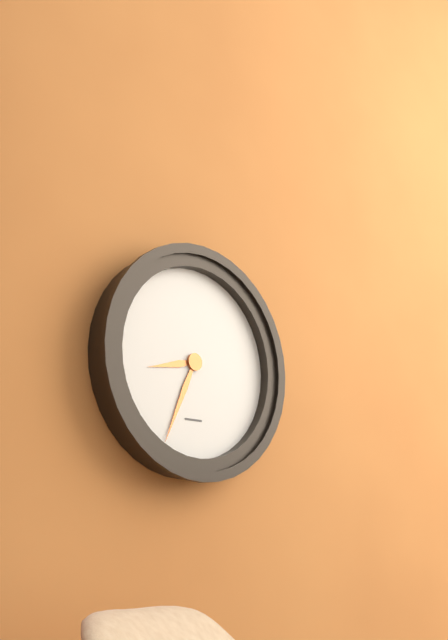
8,34
